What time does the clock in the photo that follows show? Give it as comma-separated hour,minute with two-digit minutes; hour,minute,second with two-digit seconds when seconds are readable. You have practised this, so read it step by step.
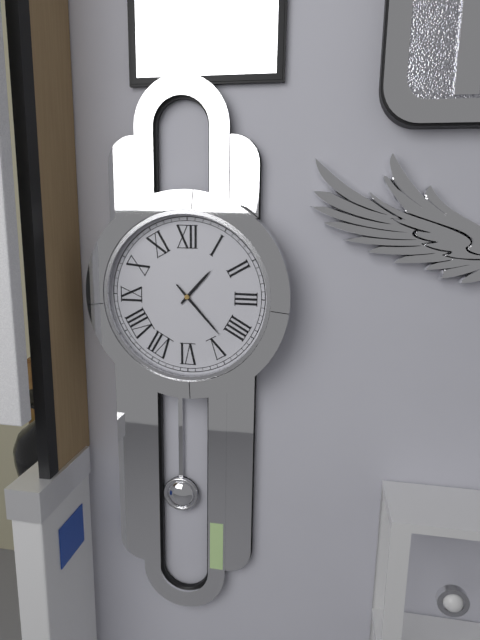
1,23
